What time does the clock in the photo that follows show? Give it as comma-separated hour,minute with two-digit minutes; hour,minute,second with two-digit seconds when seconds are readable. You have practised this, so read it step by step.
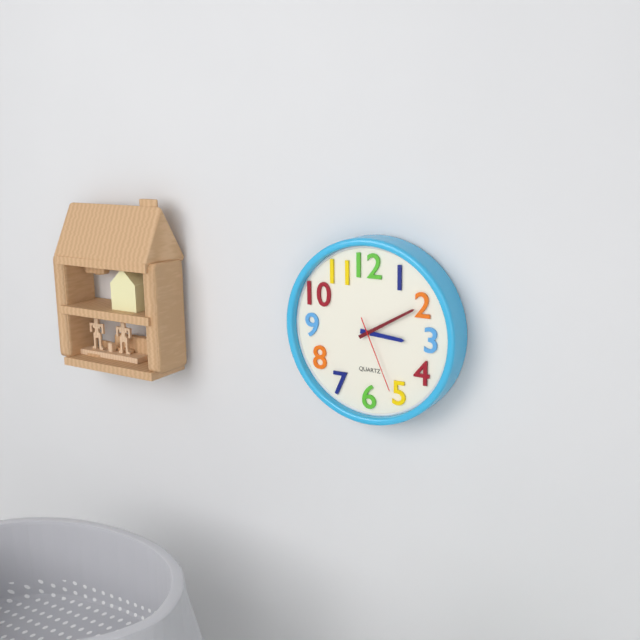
3,10,26
